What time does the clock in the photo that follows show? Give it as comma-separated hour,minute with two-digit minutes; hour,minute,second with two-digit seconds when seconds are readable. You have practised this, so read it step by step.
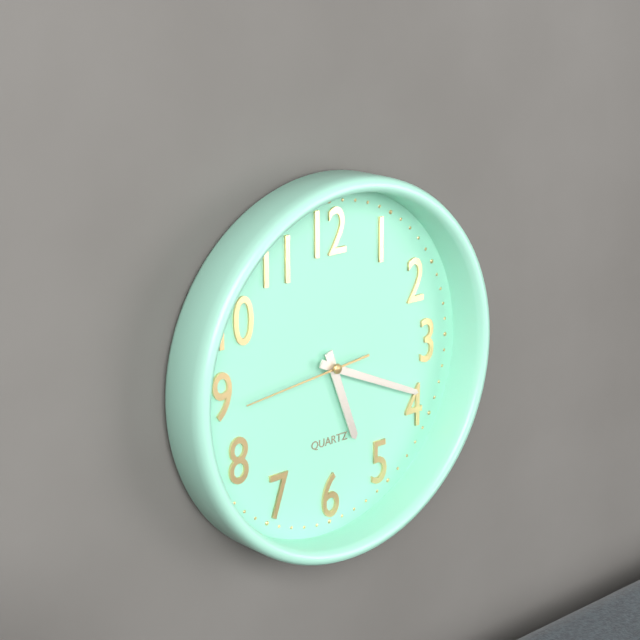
5,19,44
